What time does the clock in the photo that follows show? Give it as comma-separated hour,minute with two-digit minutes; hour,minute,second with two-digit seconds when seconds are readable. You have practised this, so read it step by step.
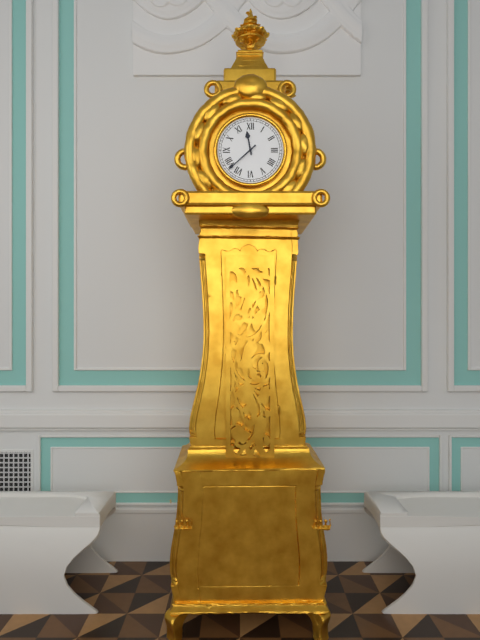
11,38
